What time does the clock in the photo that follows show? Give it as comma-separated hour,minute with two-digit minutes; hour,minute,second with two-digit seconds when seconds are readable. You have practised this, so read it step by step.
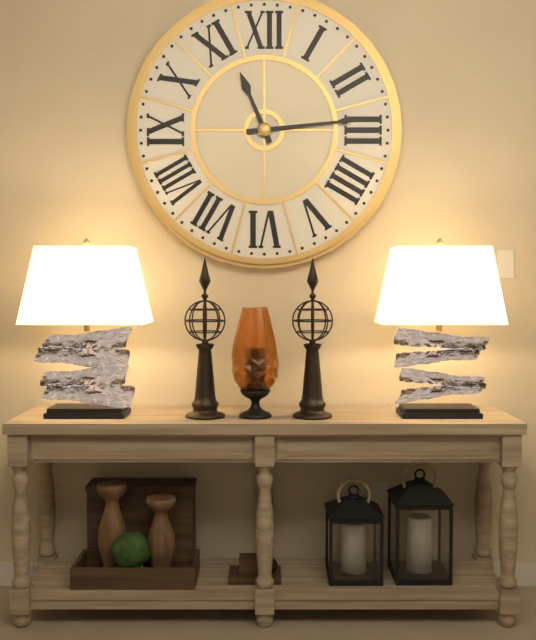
11,14
